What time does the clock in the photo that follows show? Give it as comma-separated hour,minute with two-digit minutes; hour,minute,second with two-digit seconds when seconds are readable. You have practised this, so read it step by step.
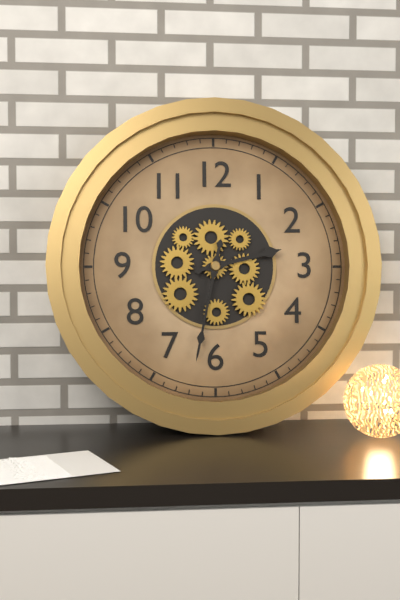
2,32
